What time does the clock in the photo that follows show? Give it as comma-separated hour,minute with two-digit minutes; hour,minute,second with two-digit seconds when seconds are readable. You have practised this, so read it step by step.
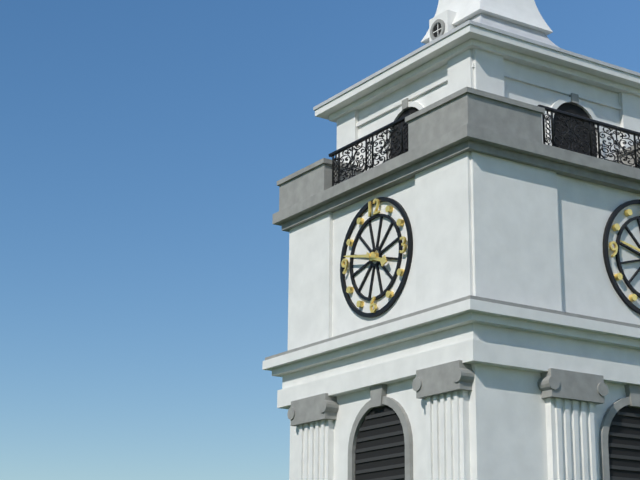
3,47
